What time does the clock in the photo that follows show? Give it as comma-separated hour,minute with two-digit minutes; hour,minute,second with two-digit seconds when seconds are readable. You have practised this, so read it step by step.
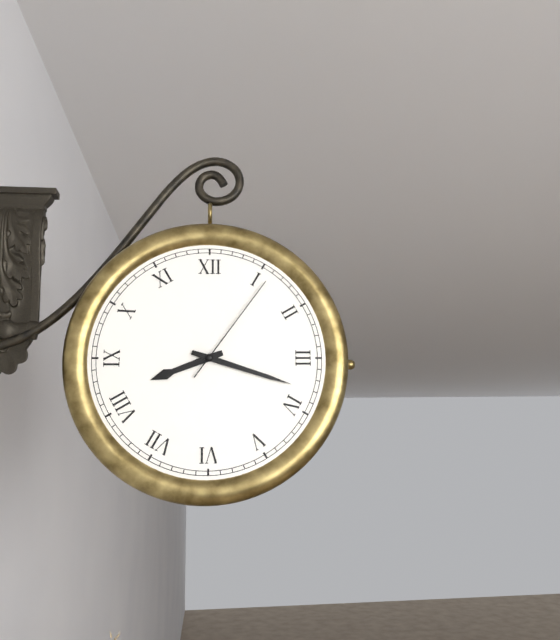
8,18,06
